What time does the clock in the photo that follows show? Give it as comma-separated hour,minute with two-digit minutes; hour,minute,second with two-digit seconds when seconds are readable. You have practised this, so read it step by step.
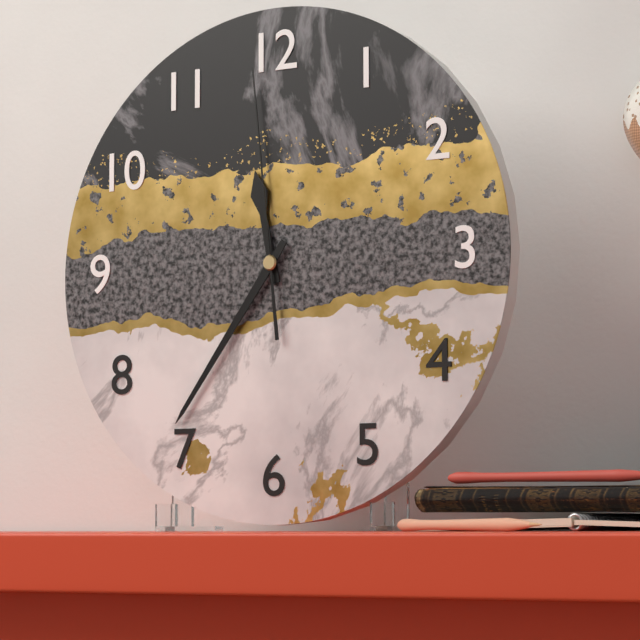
11,36,59
